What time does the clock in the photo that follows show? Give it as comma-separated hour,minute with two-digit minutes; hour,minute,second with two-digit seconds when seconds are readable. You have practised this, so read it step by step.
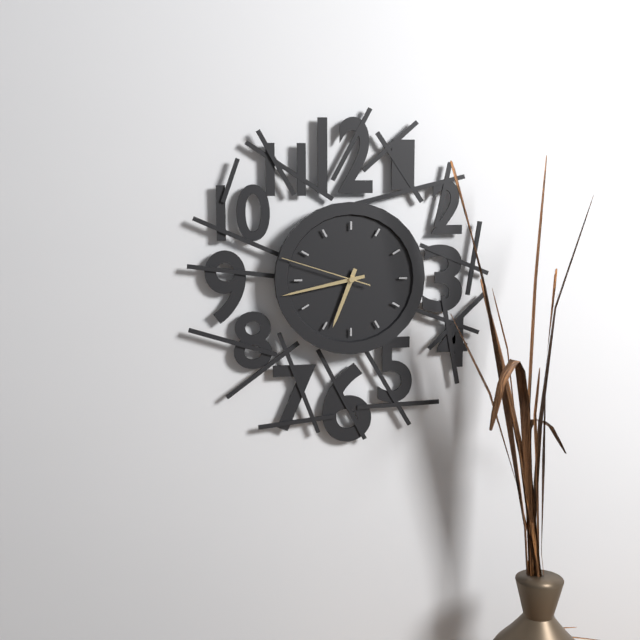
6,43,48
